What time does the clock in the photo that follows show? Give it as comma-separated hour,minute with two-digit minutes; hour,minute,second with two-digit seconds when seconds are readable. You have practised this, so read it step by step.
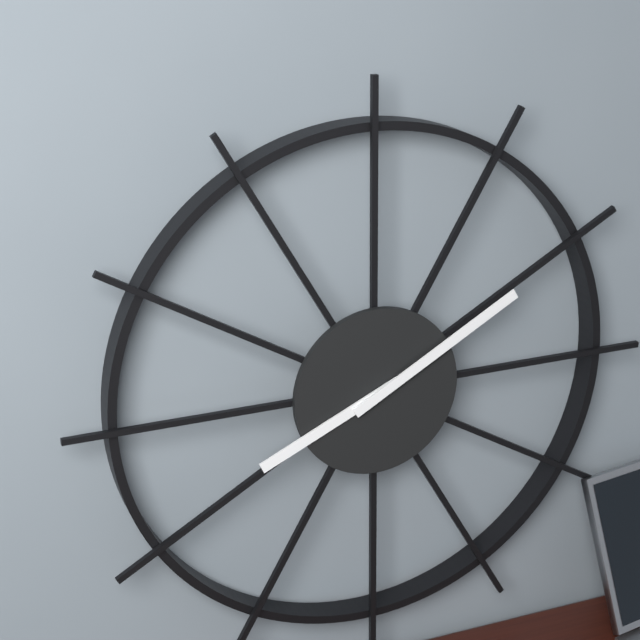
8,10
